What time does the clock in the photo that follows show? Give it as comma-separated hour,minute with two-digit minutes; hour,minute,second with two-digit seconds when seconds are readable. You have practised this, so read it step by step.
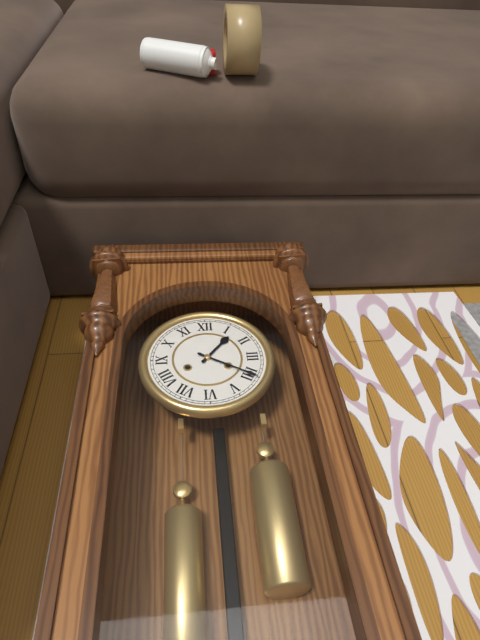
1,20
